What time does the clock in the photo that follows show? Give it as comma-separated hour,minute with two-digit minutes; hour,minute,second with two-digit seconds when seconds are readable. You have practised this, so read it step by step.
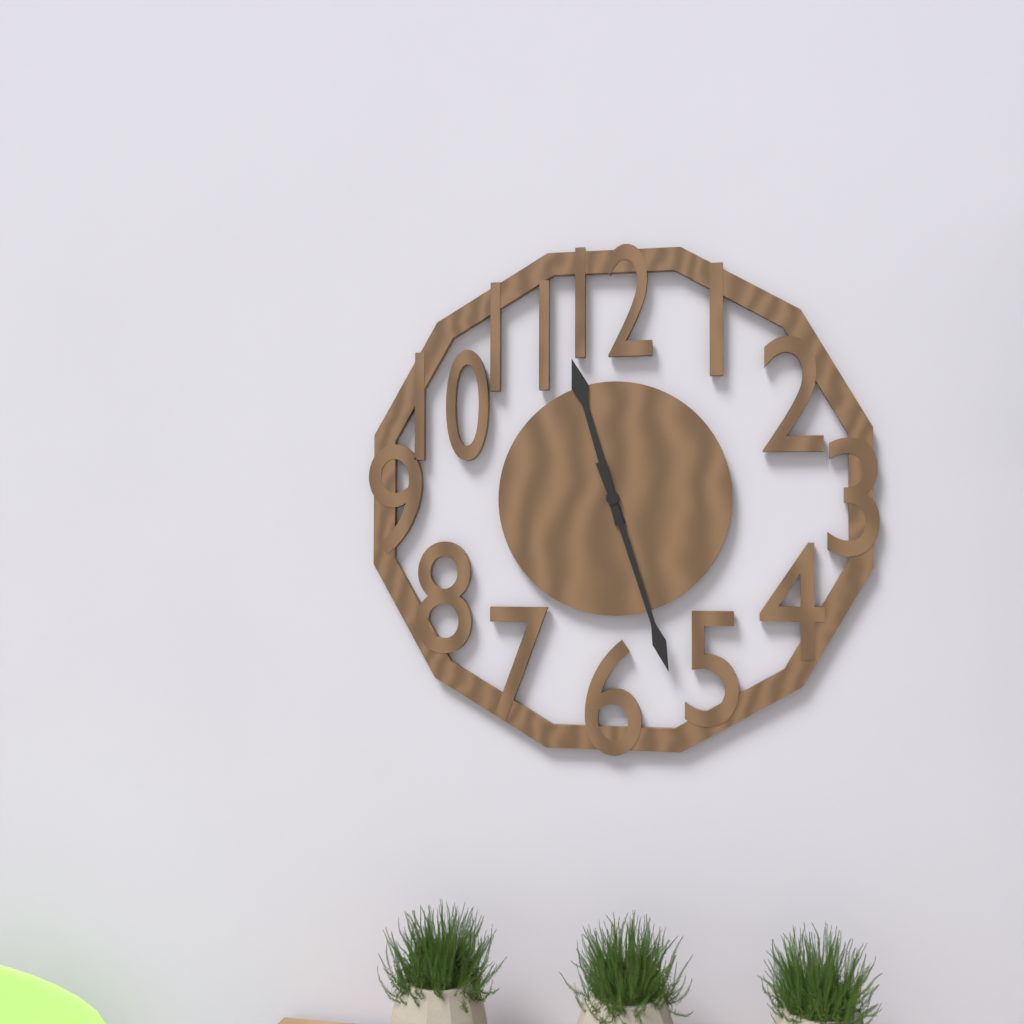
11,27
